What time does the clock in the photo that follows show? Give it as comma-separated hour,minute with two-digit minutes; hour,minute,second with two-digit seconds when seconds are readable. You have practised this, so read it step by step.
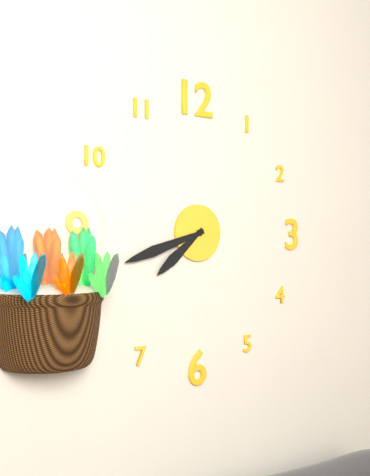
7,42
